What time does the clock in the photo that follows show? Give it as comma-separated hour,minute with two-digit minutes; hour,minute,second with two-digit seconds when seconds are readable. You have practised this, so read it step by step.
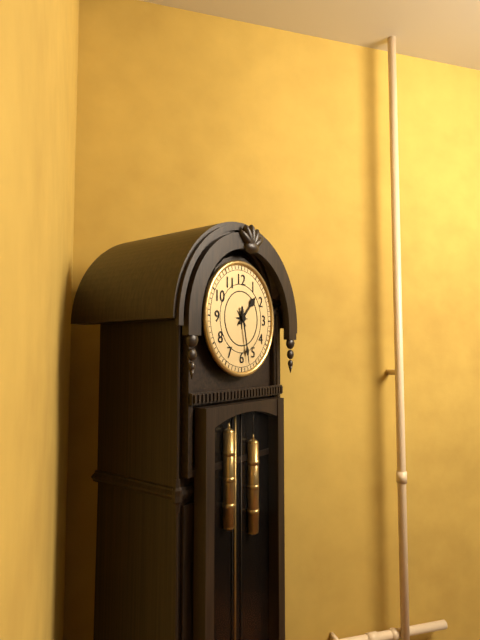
1,28
